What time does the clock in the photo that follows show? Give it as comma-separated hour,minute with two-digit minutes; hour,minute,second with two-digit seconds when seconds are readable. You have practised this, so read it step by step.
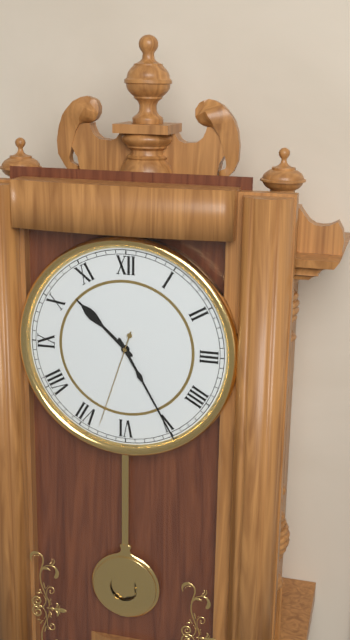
10,25,33
